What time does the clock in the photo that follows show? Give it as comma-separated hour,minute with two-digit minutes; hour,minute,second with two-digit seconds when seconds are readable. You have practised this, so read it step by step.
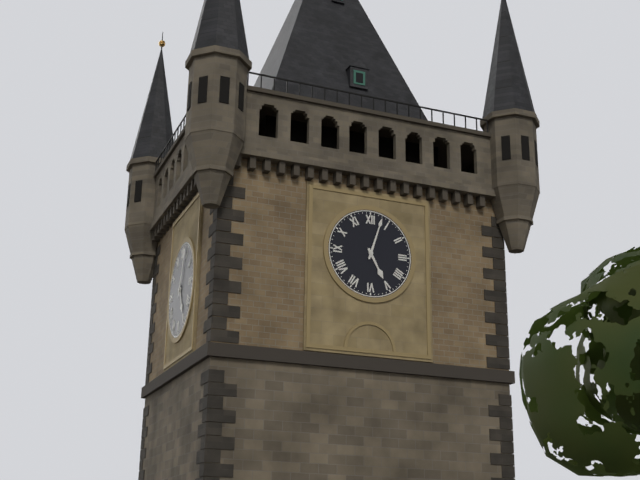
5,03
